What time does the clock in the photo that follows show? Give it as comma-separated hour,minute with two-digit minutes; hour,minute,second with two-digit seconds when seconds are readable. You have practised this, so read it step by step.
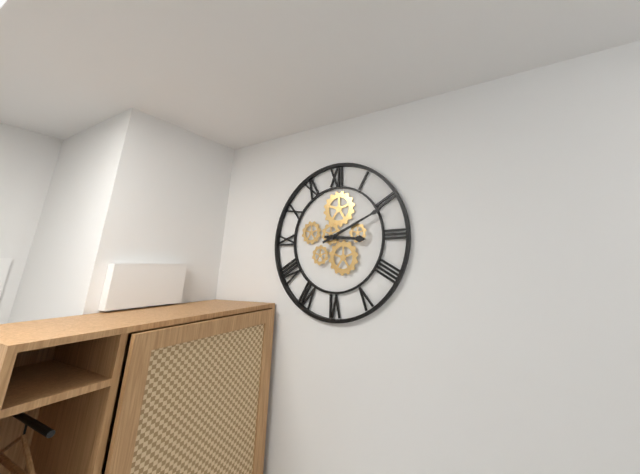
3,11
